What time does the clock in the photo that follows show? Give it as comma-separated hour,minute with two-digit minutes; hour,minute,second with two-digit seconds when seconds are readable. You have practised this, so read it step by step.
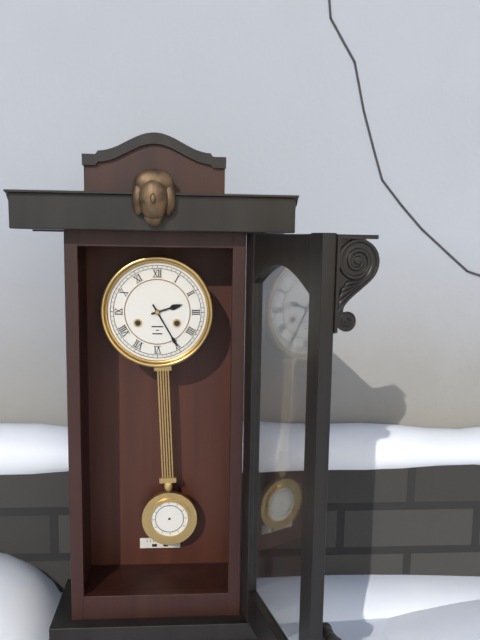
2,25
